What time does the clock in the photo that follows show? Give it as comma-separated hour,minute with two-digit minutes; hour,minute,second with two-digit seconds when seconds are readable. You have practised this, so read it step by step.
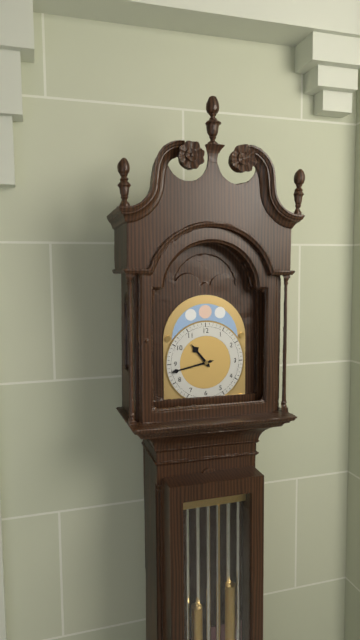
10,43
